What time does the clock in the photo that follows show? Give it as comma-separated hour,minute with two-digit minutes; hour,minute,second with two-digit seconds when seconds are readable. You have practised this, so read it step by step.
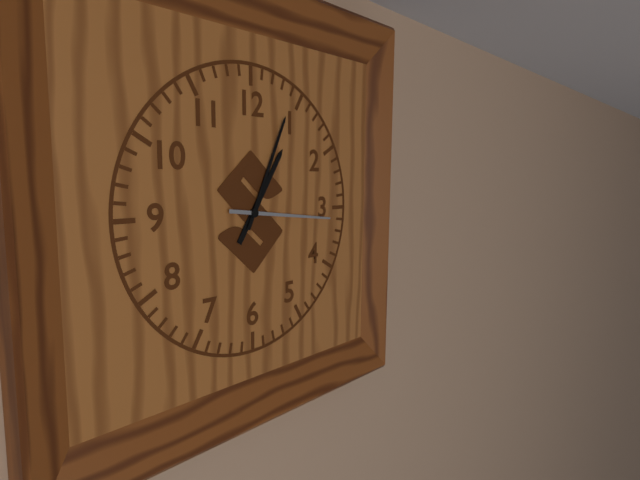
1,04,16
